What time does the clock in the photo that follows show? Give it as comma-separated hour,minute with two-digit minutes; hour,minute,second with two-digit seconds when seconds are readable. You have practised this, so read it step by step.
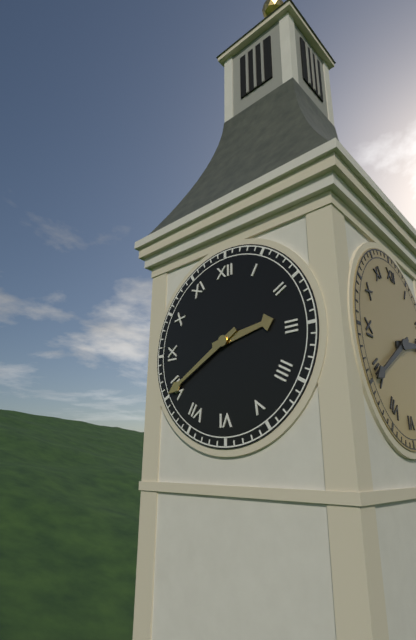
2,40
